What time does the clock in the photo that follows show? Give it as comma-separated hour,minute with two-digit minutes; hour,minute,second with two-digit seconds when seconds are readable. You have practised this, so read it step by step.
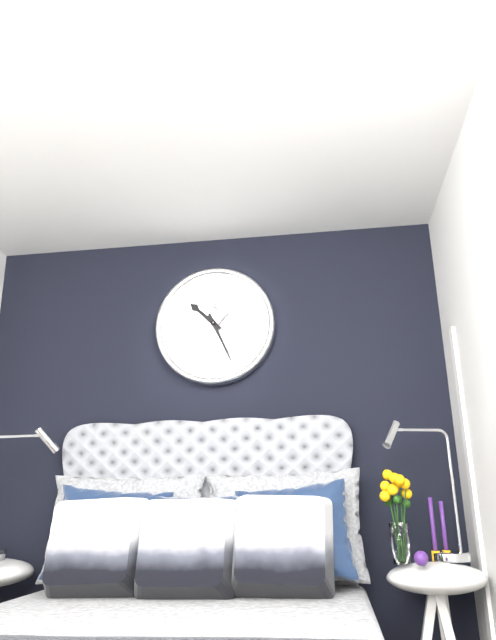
10,26
